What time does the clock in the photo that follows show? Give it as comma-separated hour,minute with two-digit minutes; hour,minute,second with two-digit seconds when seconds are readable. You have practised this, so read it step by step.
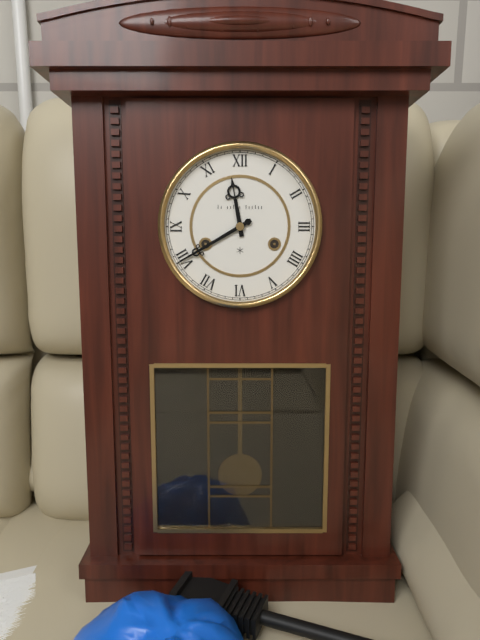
11,40
